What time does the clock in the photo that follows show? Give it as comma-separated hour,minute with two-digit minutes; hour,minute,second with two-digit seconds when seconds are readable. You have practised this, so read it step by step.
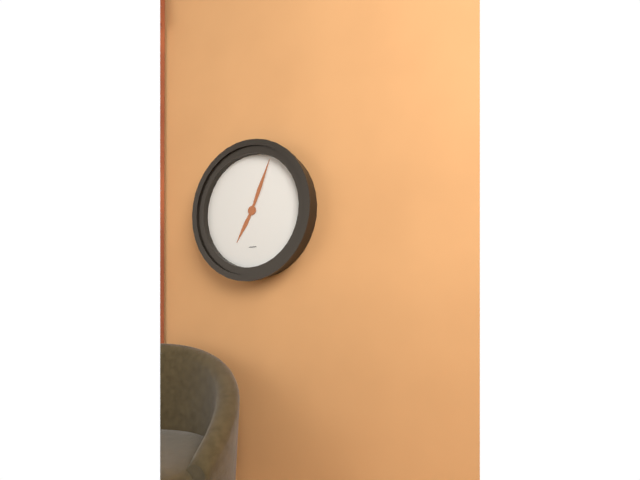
7,04
